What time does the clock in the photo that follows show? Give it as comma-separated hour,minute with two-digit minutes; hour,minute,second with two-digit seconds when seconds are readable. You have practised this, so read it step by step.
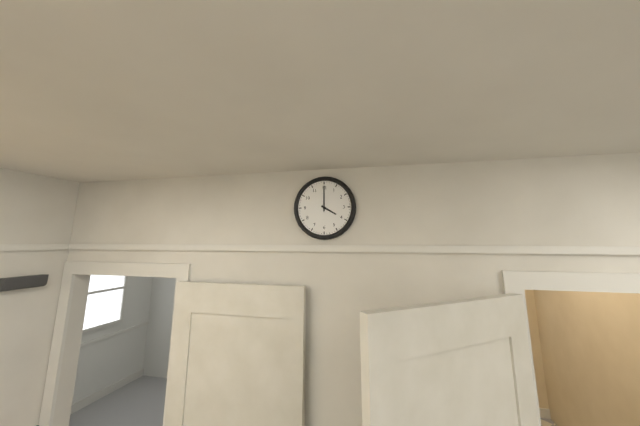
4,00
